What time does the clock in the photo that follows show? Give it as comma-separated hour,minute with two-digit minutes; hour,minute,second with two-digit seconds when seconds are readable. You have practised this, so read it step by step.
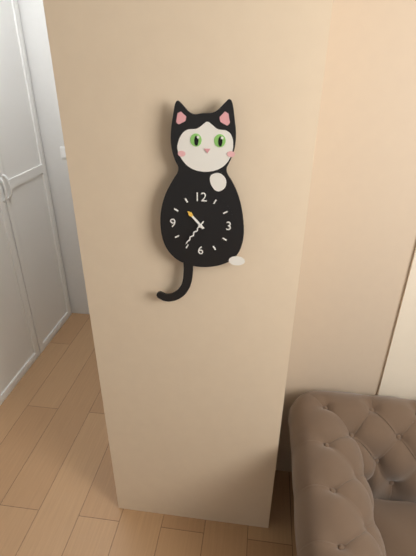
10,36
